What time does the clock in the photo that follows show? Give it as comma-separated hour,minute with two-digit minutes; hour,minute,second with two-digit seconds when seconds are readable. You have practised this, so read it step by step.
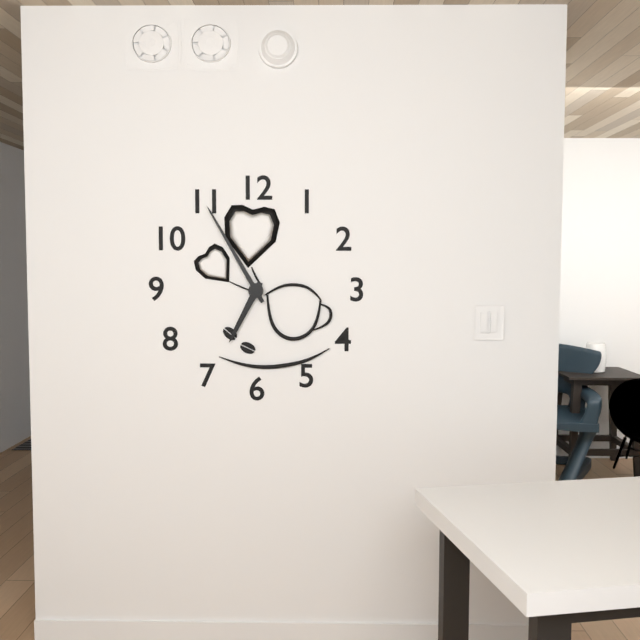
6,55
